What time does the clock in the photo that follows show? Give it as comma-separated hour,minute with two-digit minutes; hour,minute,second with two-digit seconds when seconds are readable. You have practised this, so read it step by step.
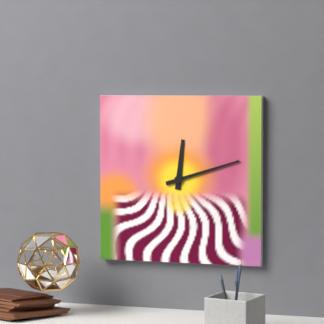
12,12
